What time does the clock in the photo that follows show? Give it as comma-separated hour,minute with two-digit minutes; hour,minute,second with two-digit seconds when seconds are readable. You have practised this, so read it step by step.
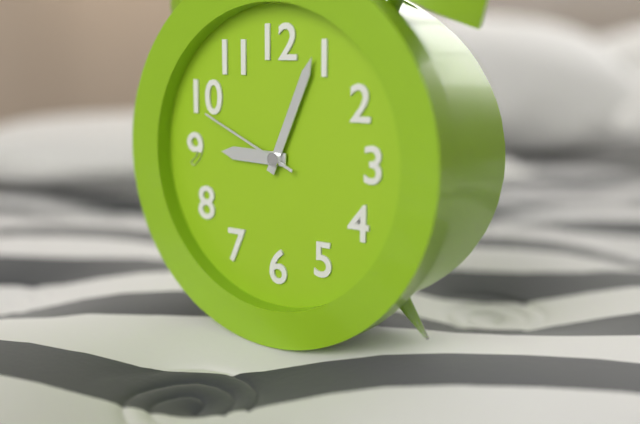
9,04,49
